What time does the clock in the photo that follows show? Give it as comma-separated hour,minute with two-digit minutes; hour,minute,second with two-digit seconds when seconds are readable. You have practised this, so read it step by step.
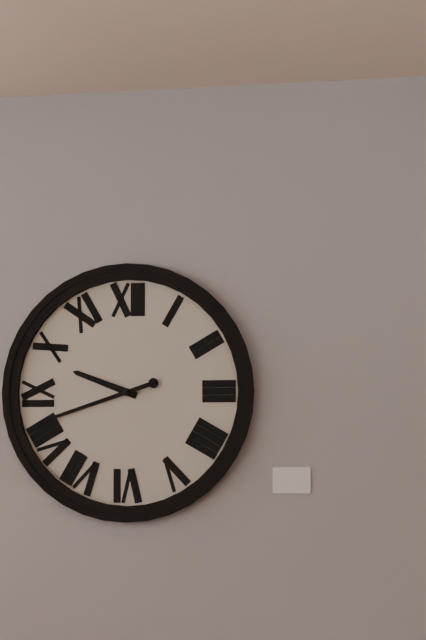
9,42
